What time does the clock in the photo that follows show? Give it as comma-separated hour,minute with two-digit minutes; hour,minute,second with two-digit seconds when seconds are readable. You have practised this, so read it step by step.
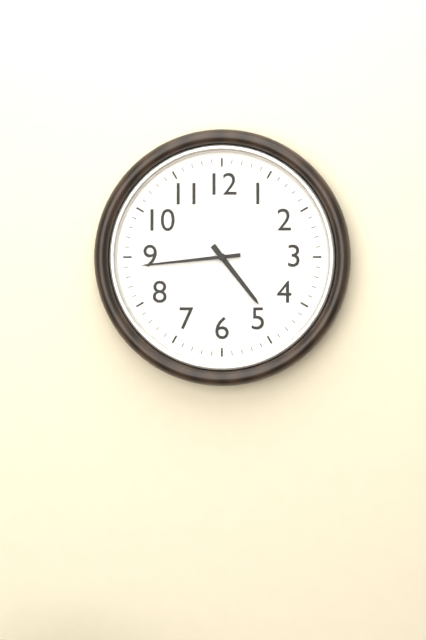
4,44
